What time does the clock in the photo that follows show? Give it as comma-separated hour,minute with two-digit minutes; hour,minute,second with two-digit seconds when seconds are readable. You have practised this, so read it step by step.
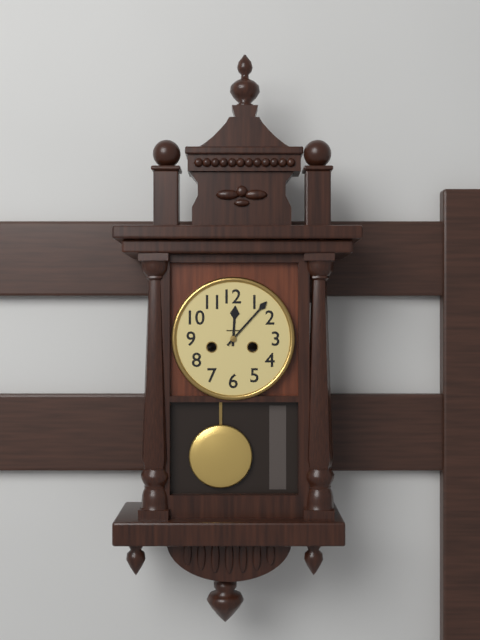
12,07
